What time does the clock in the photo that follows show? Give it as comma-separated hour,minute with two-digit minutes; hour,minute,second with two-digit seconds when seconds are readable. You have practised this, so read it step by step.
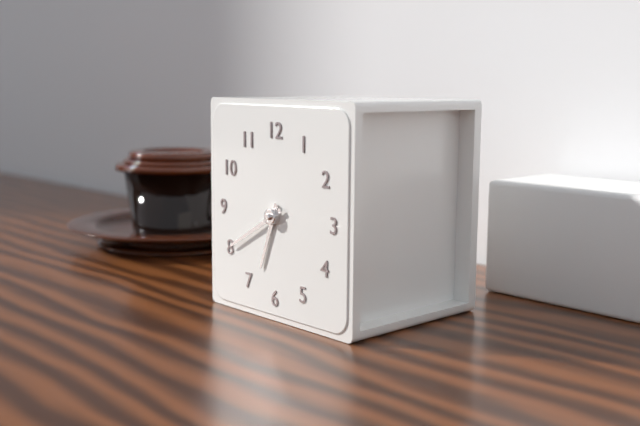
6,40
